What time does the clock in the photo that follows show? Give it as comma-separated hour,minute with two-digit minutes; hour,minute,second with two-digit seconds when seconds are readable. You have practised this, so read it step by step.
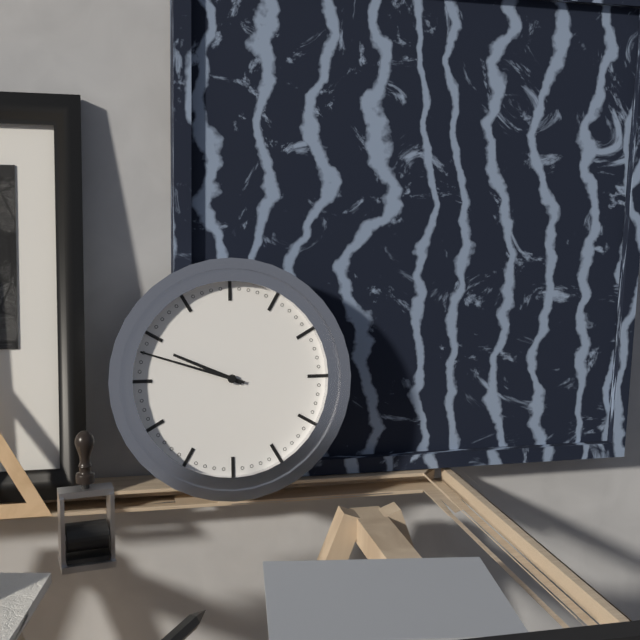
9,48
